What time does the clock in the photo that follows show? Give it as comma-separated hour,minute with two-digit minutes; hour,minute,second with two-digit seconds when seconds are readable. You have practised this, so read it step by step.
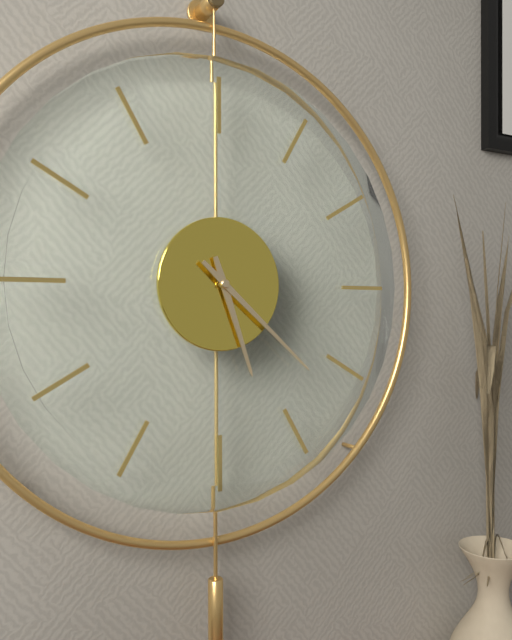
5,22
